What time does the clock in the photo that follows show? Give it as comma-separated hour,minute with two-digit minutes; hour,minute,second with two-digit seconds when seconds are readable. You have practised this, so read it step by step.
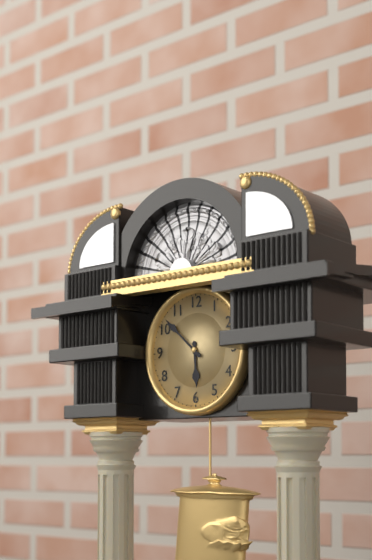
5,52
